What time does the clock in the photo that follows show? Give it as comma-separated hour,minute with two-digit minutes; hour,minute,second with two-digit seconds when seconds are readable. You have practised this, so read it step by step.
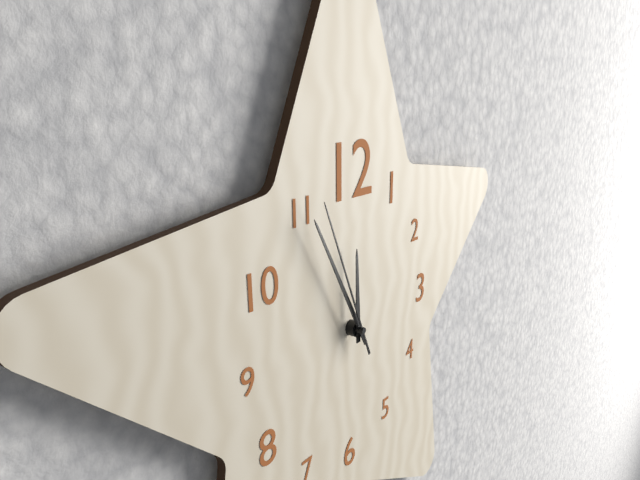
11,55,56
